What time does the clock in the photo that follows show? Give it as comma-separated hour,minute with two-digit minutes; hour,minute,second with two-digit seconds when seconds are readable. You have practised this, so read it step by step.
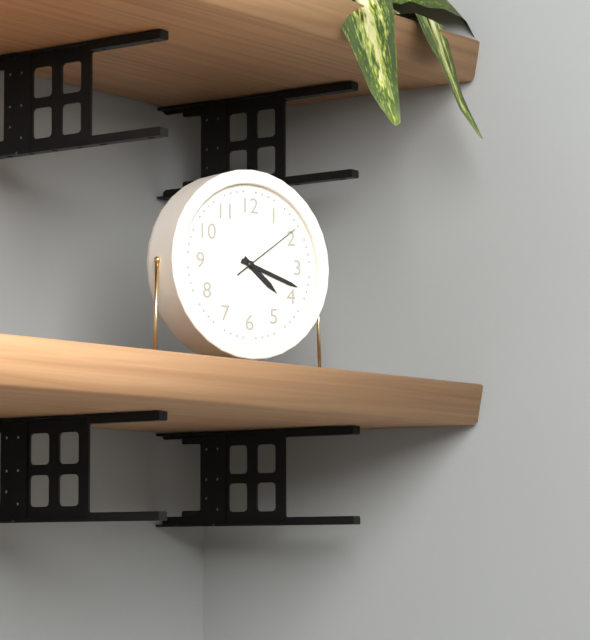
4,18,09
